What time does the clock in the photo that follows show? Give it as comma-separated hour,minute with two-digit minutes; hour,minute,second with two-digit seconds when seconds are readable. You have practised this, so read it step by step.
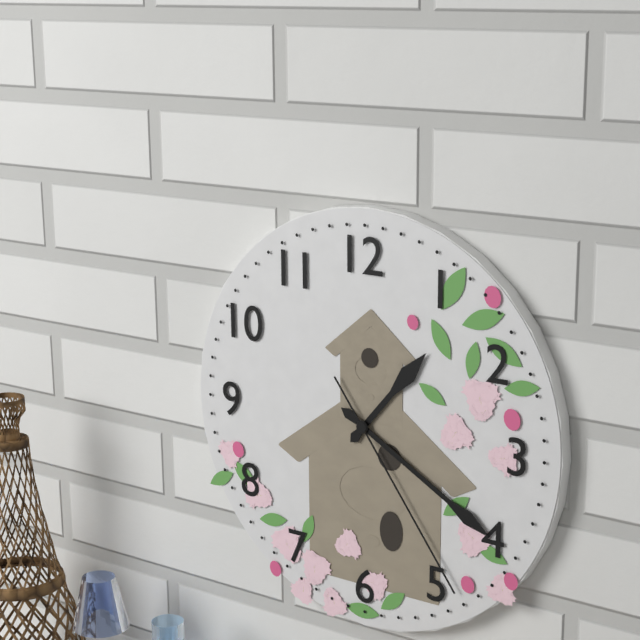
1,20,24
